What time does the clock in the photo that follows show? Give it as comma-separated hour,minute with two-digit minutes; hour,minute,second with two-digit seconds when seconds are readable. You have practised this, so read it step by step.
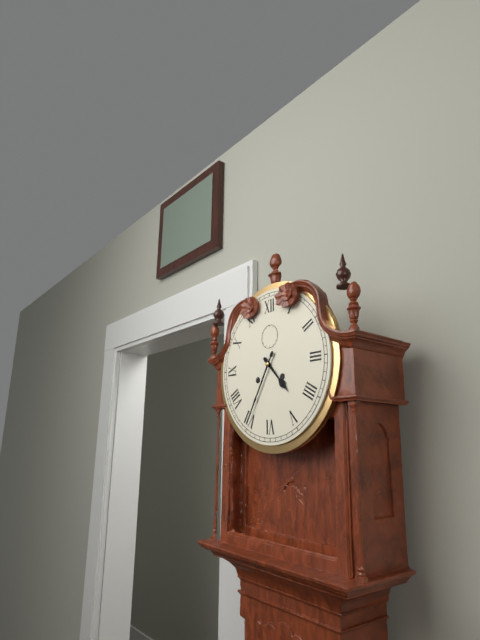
4,35
